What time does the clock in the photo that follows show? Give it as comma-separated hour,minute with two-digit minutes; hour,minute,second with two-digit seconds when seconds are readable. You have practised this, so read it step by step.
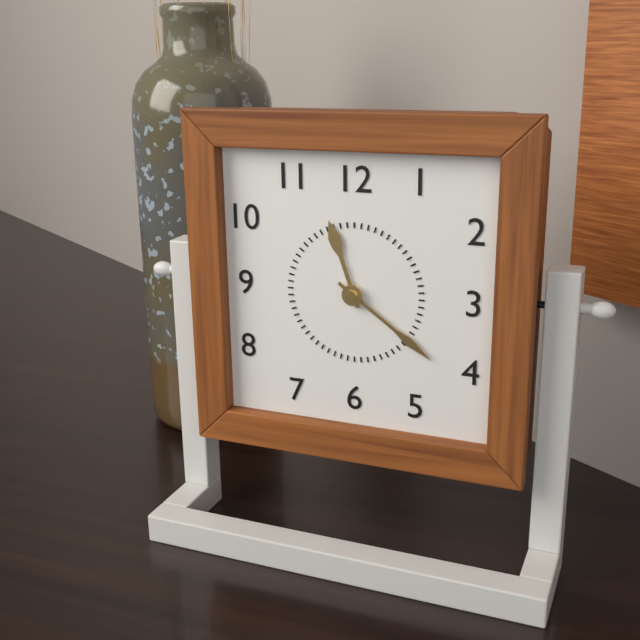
11,21
